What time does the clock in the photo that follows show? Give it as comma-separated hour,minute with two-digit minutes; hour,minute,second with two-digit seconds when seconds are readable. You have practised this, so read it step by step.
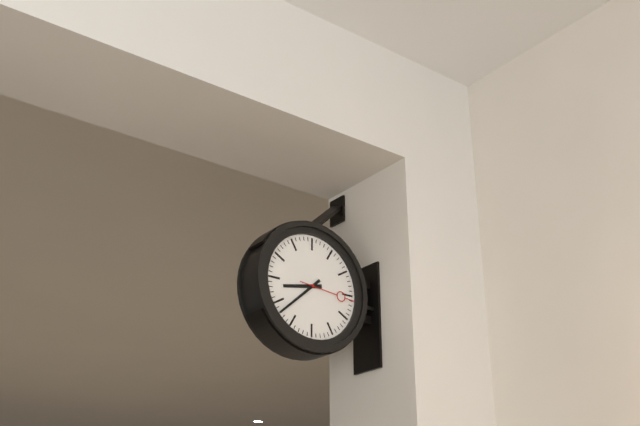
8,38,16
